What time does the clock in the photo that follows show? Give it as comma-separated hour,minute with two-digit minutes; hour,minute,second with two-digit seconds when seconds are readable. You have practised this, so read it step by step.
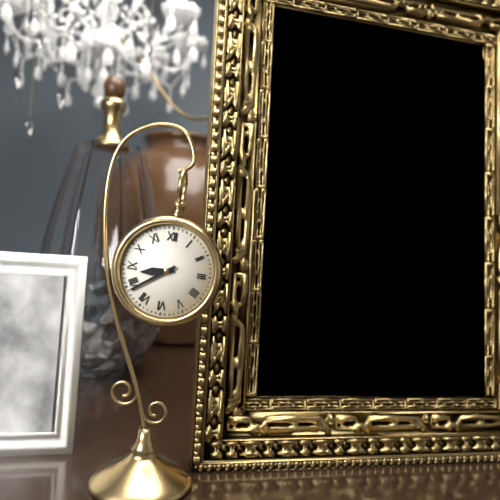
8,39
